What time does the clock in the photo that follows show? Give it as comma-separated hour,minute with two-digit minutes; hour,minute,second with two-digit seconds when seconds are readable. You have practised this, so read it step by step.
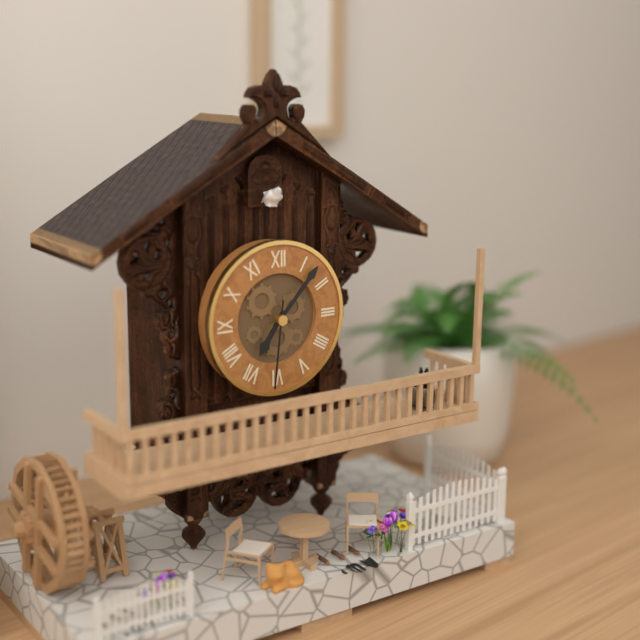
7,07,31
